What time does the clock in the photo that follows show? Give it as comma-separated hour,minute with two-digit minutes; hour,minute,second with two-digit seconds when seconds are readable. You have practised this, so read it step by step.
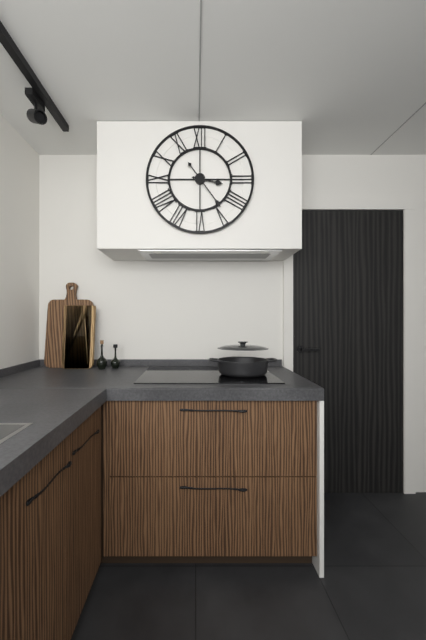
3,24
